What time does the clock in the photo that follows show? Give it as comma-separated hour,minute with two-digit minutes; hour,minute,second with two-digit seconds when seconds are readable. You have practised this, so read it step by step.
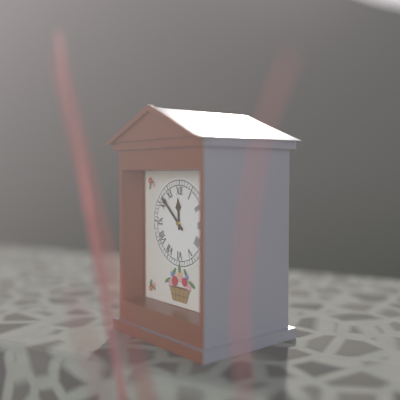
11,52
